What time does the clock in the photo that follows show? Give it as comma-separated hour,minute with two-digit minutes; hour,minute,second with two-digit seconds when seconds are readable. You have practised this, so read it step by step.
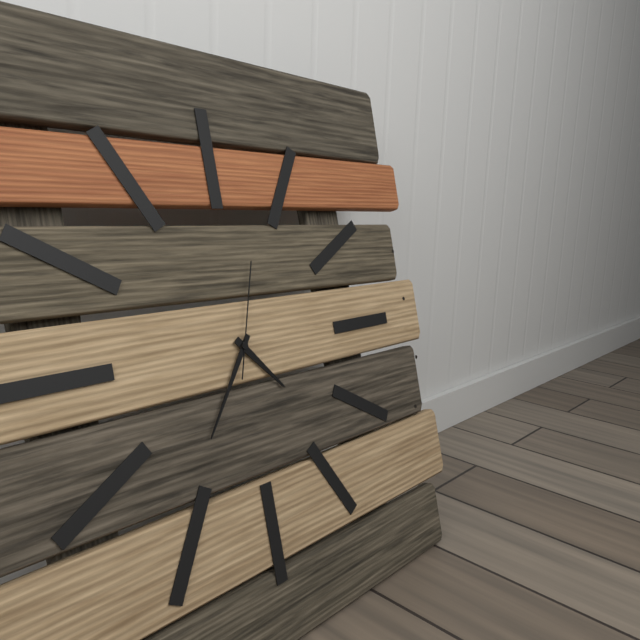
4,36,03
